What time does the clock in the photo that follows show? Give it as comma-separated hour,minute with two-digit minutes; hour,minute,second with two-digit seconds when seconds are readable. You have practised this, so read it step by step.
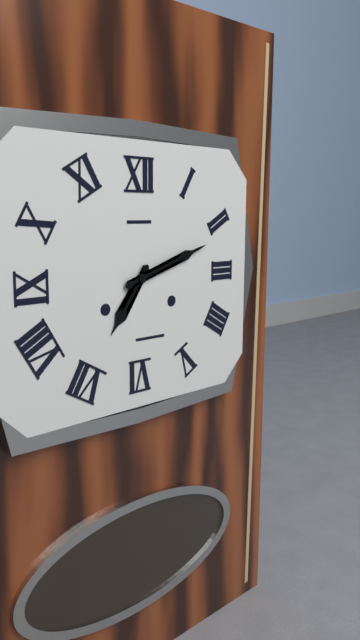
7,12
